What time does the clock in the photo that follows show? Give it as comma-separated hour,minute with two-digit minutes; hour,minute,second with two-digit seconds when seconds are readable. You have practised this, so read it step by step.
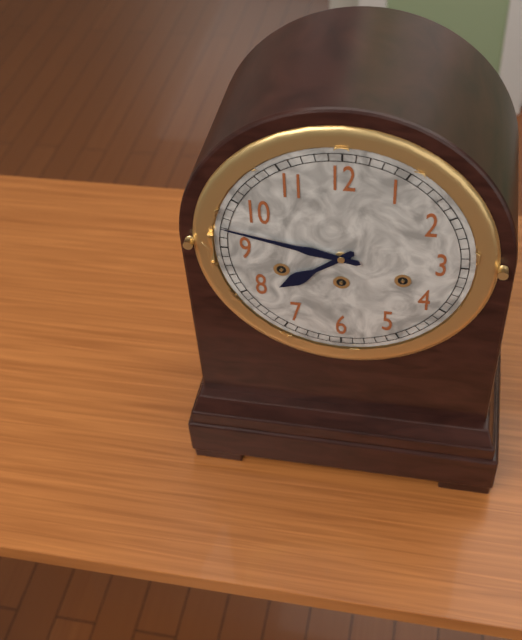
7,47
